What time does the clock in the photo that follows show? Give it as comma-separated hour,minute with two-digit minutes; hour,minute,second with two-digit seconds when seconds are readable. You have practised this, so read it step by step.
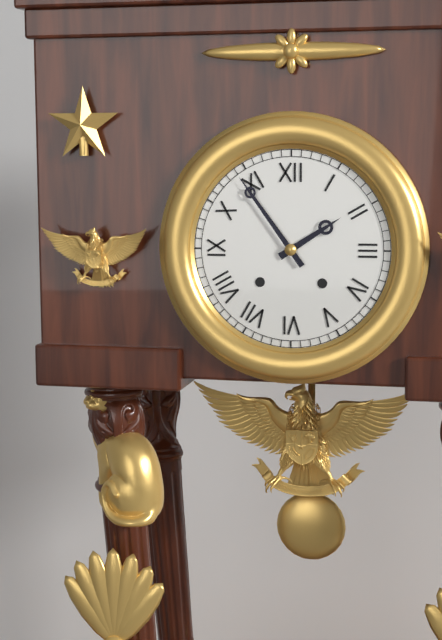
1,54
